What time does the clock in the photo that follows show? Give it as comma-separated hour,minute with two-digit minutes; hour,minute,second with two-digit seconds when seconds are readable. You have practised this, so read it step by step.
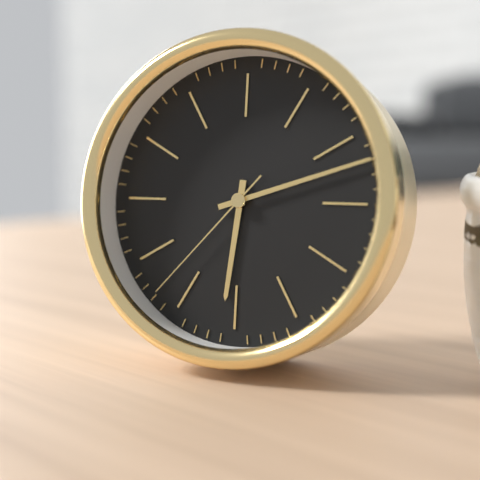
6,12,37
